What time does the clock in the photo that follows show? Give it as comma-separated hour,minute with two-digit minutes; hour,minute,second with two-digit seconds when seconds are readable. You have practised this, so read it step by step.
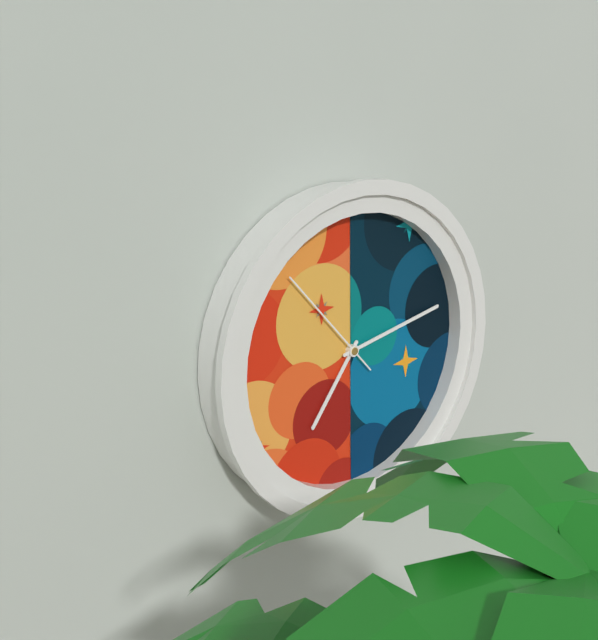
7,13,53
